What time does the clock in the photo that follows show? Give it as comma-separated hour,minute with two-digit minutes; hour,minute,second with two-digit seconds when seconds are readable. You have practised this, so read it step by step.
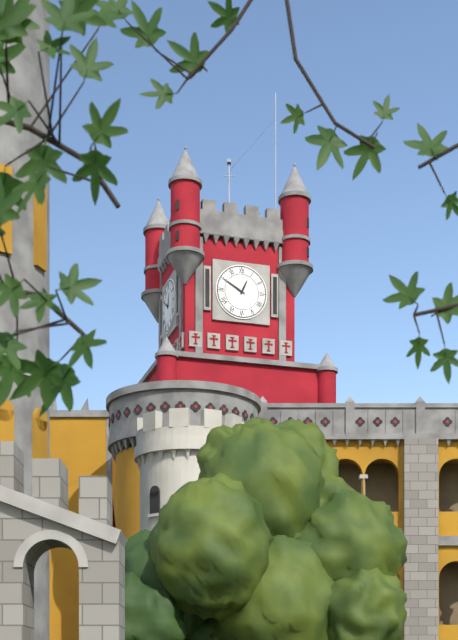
12,50
